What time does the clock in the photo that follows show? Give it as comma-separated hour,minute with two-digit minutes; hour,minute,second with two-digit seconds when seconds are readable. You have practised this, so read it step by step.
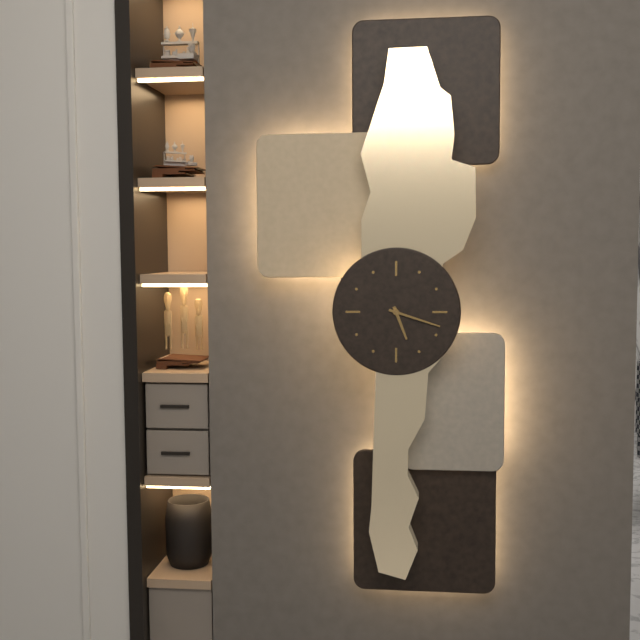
5,18
